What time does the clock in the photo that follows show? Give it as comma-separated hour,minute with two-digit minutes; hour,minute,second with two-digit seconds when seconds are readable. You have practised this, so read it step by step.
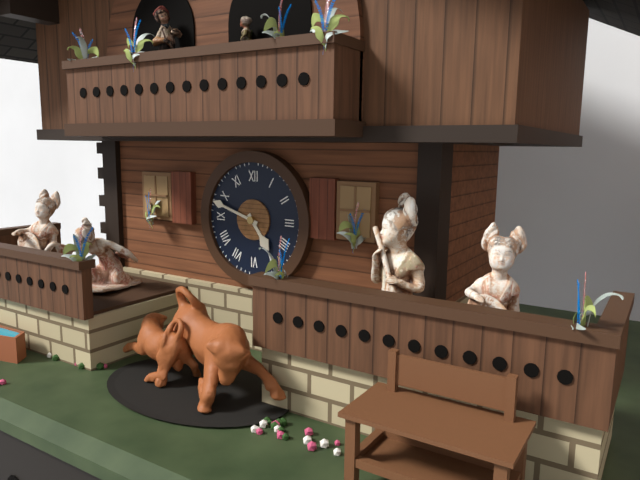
4,48
